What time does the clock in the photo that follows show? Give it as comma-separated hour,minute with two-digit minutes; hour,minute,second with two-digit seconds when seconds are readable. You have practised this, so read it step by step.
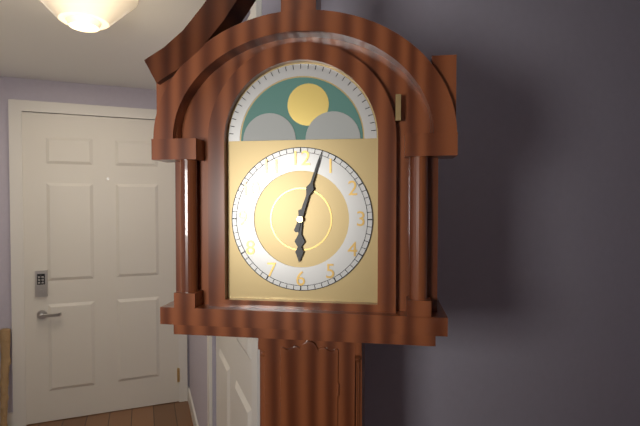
6,03
